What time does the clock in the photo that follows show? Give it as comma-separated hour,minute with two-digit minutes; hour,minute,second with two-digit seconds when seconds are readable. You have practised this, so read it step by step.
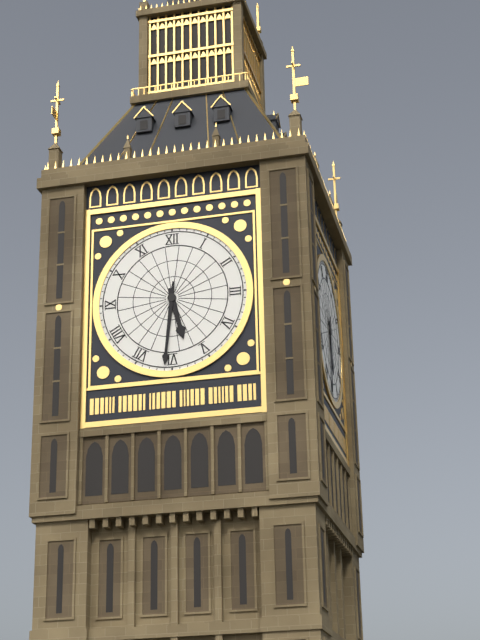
5,31
